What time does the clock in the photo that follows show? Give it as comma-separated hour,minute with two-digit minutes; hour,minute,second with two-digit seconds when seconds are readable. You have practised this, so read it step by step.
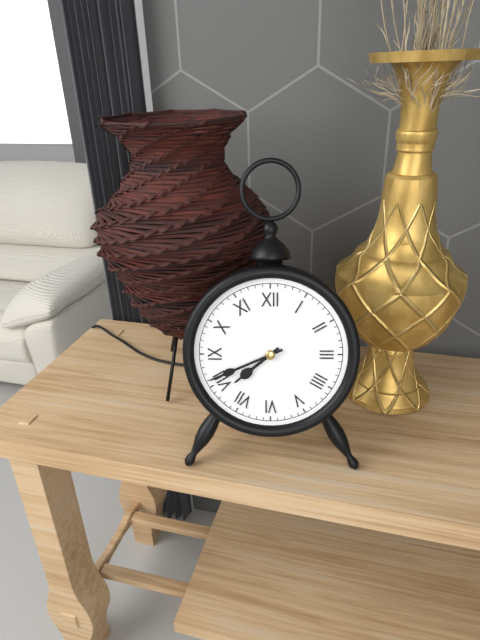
7,41
